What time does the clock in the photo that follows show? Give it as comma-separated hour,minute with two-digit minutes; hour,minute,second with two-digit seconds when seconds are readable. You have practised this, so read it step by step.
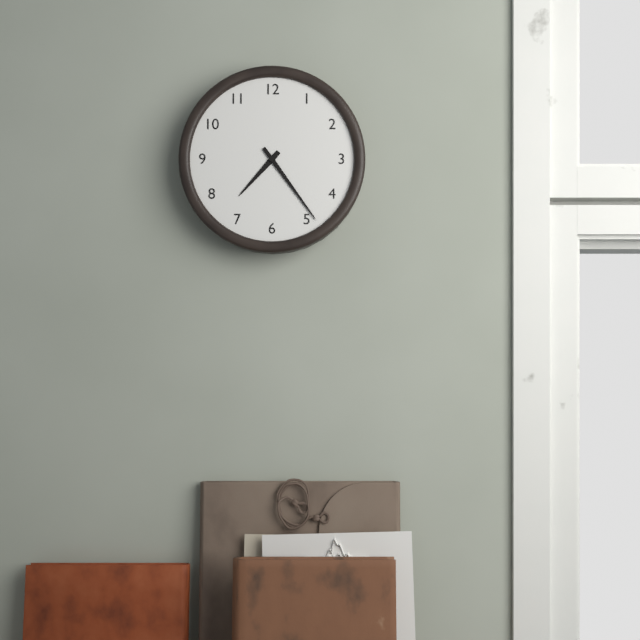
7,24
